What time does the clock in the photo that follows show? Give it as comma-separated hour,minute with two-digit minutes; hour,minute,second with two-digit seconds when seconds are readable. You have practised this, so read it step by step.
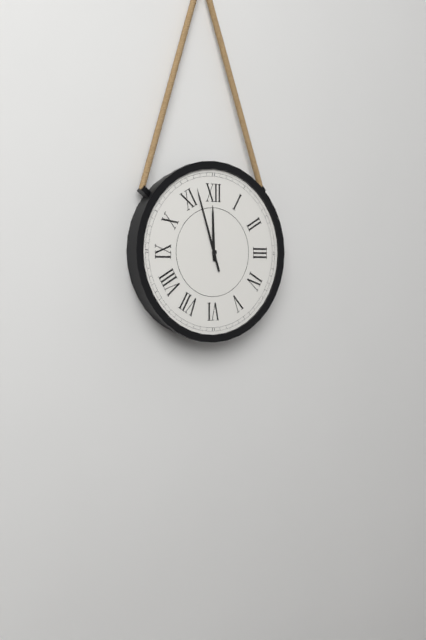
11,57
